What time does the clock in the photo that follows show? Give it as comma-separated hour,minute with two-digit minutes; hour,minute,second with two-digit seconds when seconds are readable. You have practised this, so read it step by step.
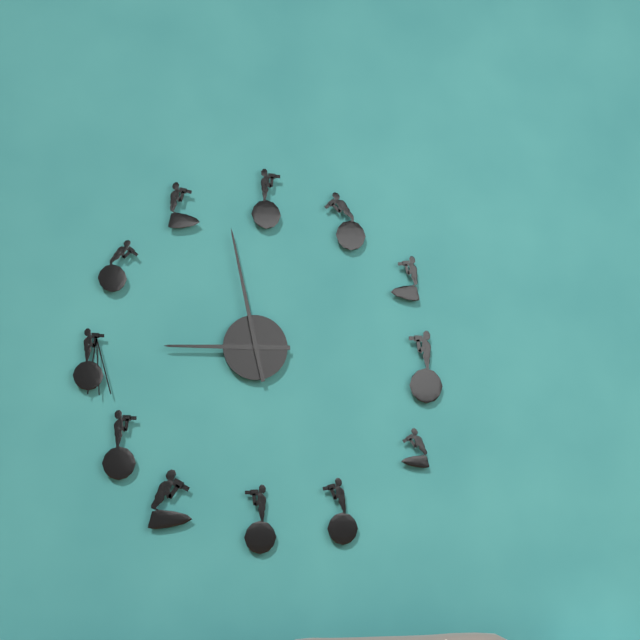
8,58
